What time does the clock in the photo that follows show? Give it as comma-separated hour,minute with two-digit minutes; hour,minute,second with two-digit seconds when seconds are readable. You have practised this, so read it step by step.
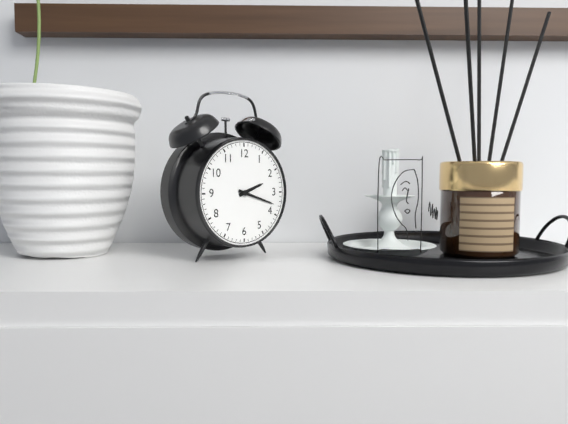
2,18
